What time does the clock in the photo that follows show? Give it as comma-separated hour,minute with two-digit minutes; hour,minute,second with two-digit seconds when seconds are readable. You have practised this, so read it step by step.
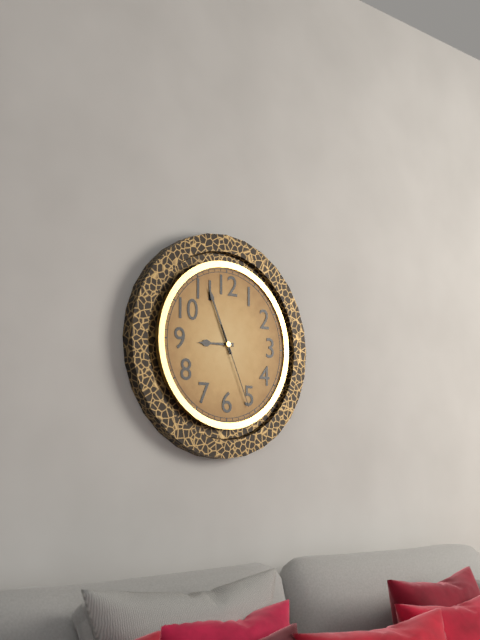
8,56,26
